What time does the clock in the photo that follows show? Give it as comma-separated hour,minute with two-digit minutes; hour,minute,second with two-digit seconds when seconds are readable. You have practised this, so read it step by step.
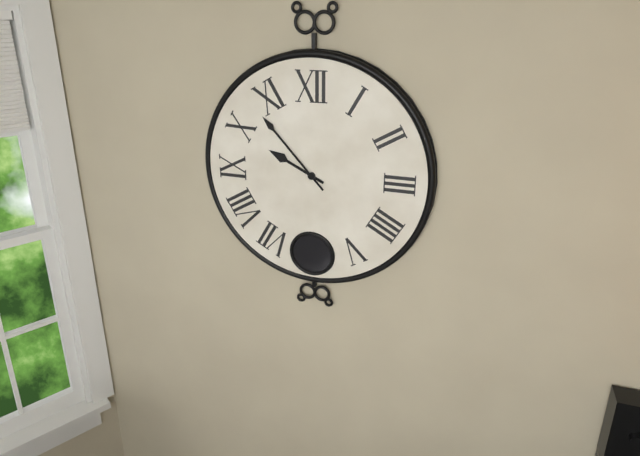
9,53
